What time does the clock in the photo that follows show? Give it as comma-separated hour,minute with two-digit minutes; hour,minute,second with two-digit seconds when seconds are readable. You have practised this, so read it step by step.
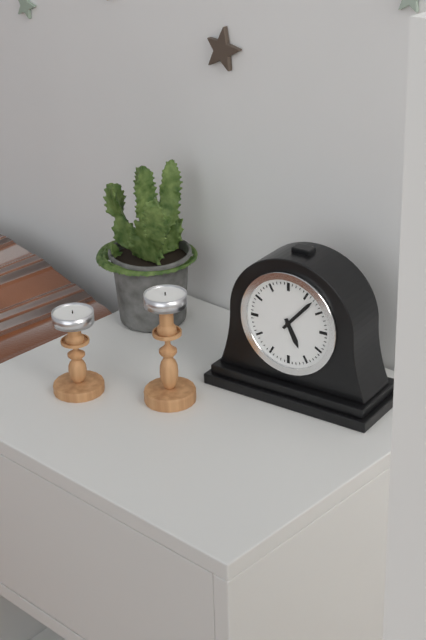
5,07
